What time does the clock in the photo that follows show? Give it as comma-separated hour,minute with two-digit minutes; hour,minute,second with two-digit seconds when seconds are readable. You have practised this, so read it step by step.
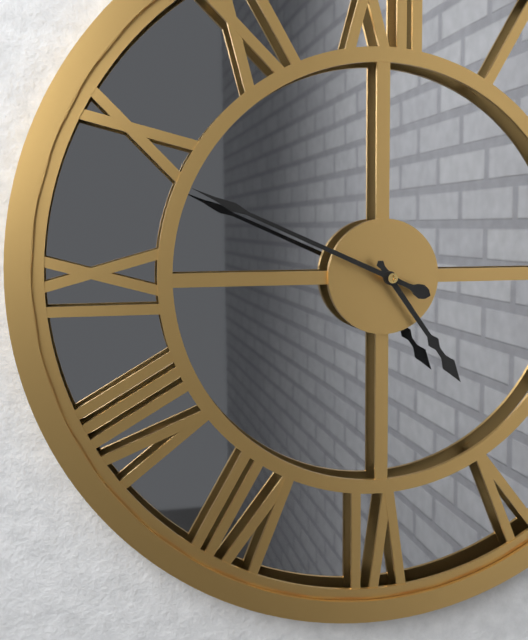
4,49
